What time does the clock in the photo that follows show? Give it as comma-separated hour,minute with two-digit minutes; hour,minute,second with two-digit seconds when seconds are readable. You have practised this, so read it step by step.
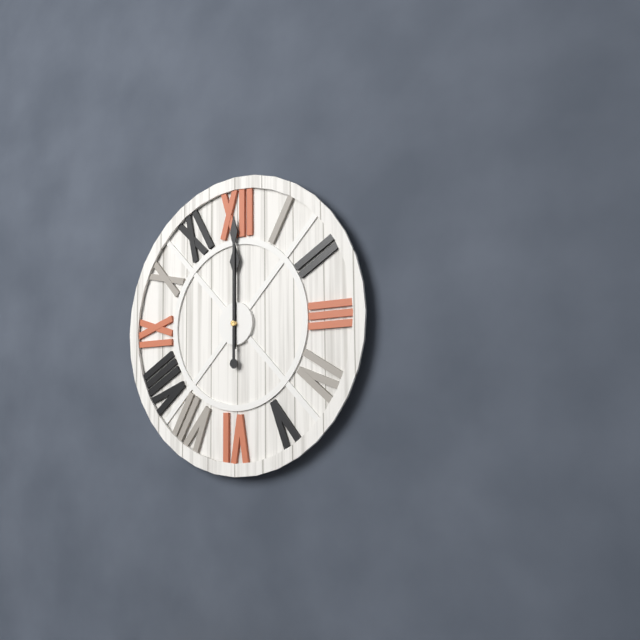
12,00
